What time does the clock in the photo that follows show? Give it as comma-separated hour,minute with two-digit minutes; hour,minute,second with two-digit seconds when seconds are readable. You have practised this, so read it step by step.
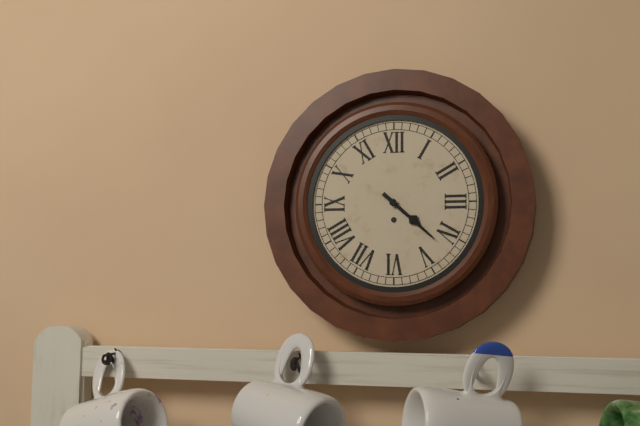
4,22
